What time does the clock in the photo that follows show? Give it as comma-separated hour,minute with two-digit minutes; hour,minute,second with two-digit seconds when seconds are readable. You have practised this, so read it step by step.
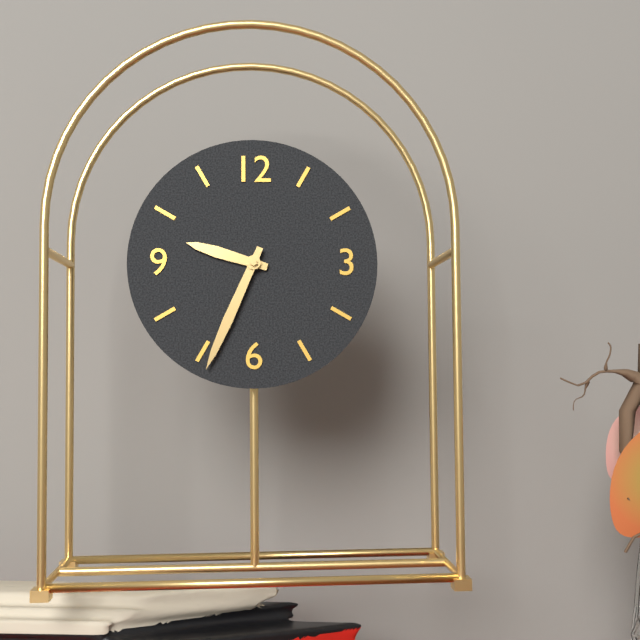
9,34
